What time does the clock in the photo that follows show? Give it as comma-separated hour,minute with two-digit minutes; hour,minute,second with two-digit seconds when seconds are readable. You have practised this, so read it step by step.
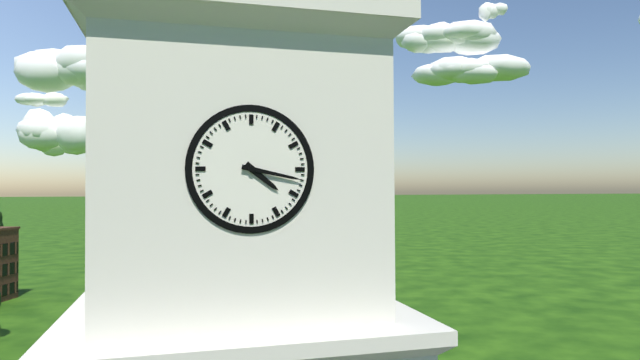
4,17
